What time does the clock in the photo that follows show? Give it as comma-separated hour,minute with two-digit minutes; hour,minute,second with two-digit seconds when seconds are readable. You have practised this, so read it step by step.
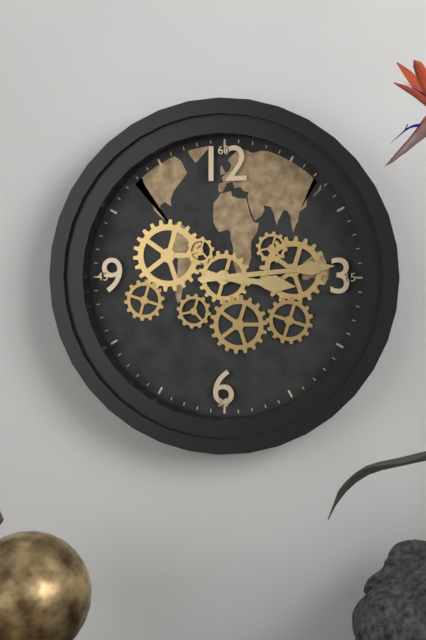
3,14
